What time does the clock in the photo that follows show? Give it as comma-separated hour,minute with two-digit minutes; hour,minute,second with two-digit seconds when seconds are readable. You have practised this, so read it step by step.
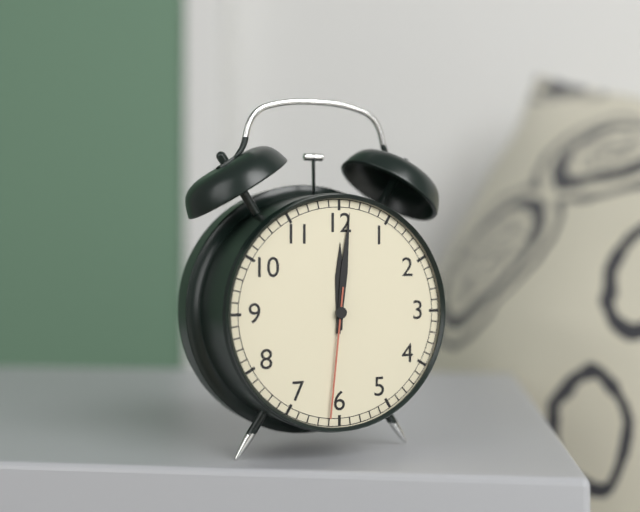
12,01,31
